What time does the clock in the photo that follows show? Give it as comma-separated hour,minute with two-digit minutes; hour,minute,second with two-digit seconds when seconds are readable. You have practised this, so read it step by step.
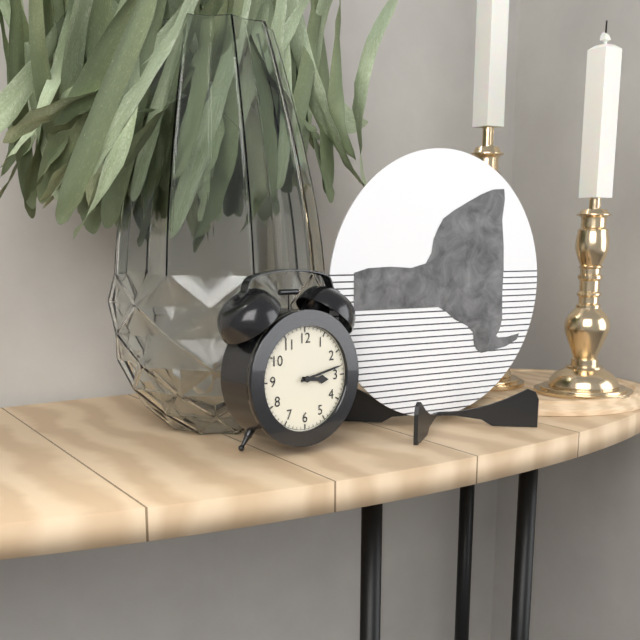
3,13
